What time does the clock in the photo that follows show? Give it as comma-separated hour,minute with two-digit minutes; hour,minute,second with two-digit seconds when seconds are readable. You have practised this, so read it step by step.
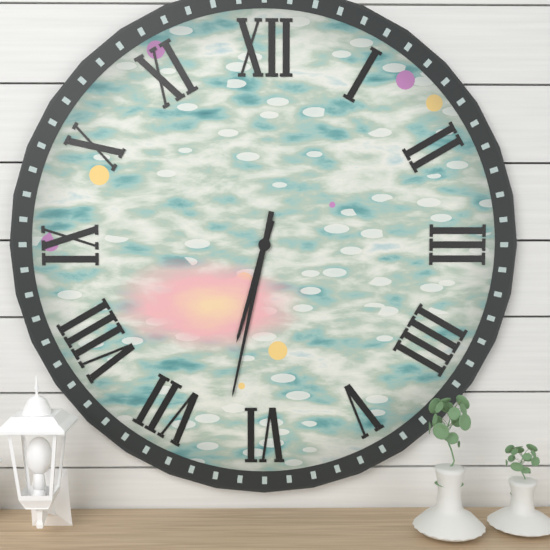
6,32
